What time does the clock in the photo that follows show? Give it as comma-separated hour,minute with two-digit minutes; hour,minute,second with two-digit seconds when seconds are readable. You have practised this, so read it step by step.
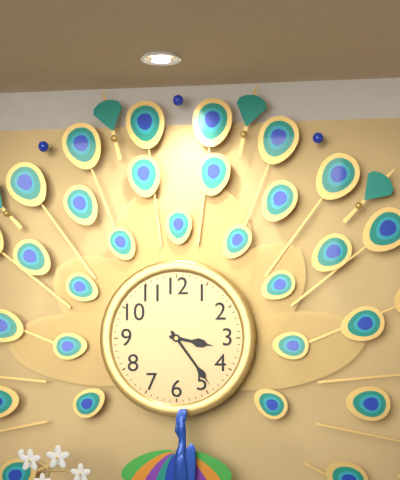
3,24
